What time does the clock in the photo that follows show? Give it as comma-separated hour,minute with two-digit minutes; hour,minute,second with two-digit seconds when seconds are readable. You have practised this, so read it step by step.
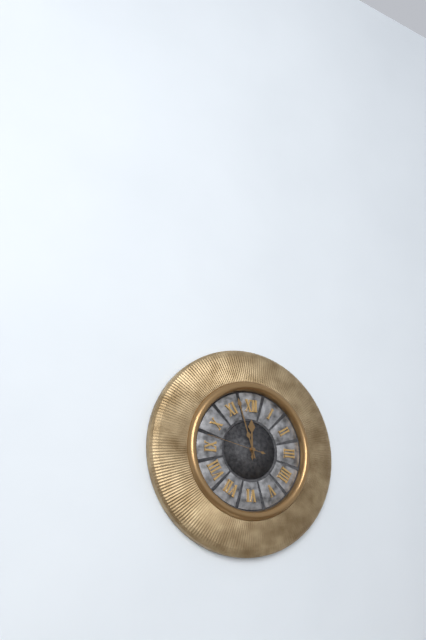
11,57,47
